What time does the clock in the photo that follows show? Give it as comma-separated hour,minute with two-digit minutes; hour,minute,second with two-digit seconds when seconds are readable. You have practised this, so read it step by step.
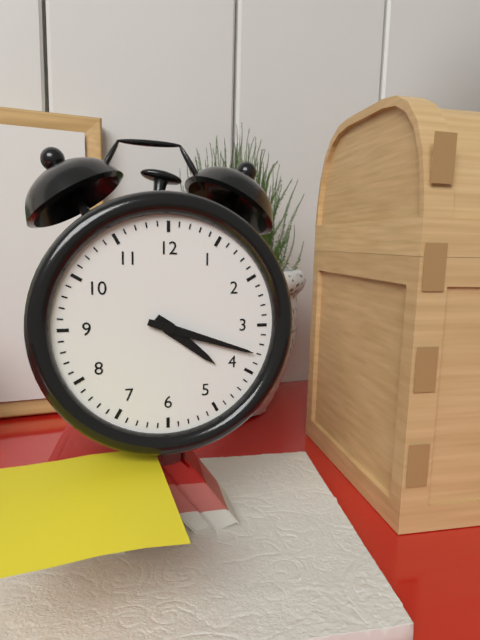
4,18
